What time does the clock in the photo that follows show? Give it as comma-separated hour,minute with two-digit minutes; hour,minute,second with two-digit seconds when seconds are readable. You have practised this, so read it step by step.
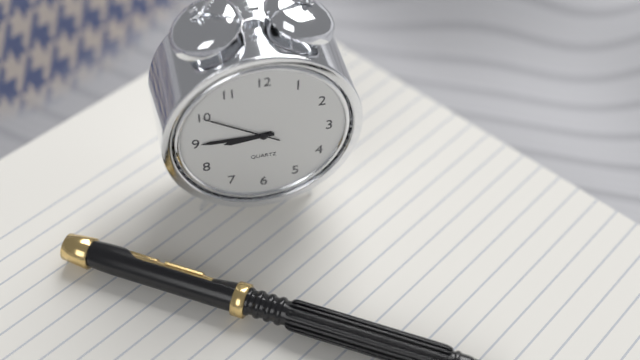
8,45,50
